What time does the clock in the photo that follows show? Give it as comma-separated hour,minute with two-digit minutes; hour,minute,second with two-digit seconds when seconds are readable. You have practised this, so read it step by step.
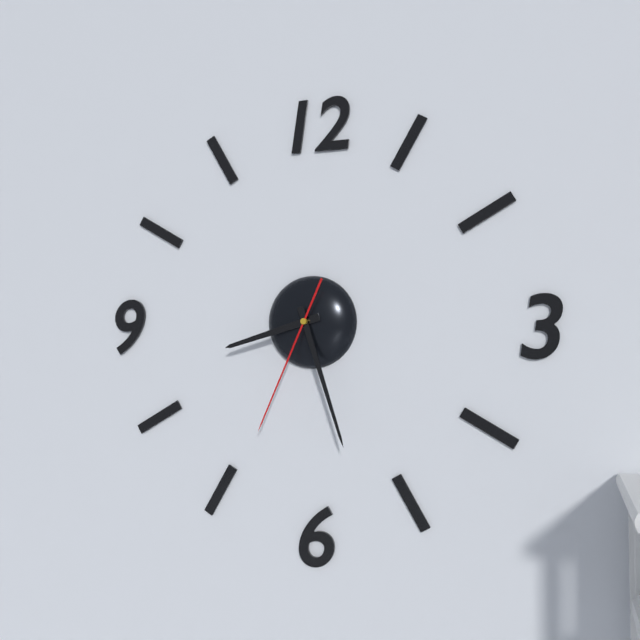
8,27,34
